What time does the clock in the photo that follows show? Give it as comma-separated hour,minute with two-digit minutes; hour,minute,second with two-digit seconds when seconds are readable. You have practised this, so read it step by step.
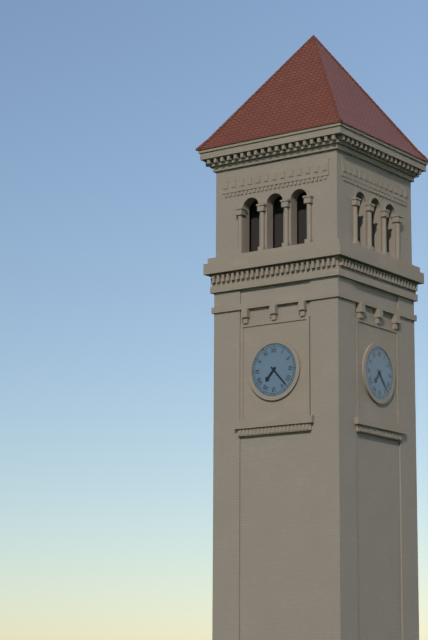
7,23
